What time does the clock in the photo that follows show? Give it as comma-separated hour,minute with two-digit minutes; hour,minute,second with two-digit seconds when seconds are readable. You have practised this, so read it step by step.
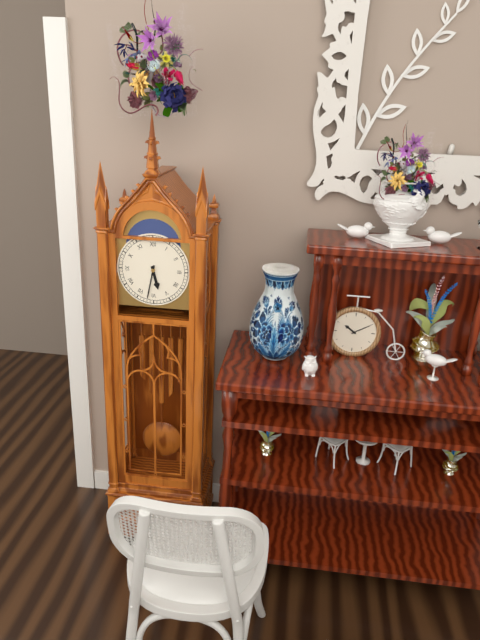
5,32
